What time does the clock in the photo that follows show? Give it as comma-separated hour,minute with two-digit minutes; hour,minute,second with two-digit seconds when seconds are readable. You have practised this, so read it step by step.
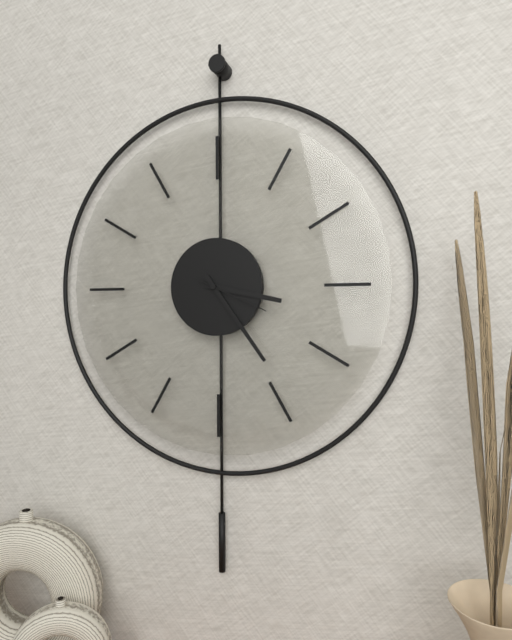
3,24,19
